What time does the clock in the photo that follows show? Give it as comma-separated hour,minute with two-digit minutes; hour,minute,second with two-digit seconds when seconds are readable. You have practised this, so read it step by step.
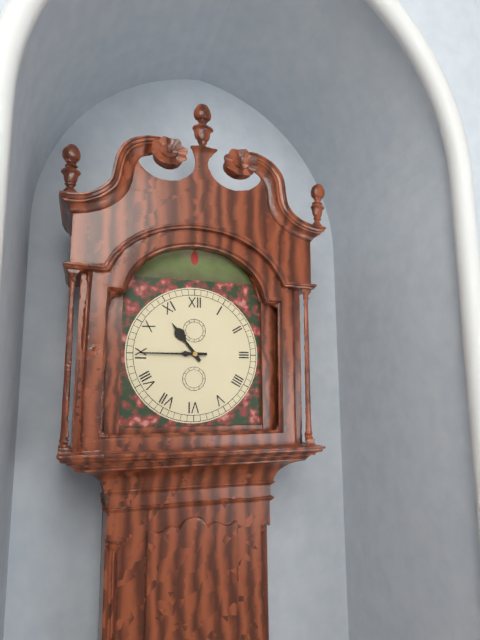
10,45
